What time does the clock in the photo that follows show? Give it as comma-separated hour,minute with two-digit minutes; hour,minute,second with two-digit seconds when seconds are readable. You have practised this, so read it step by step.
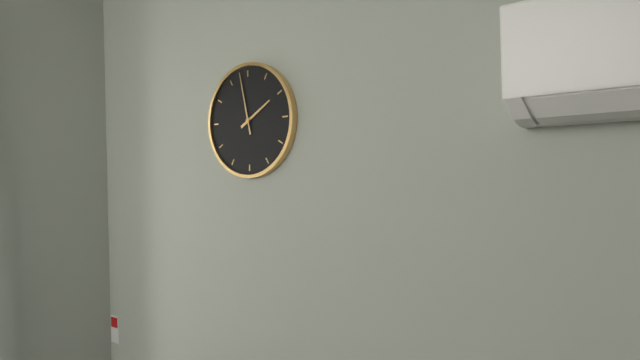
1,58
